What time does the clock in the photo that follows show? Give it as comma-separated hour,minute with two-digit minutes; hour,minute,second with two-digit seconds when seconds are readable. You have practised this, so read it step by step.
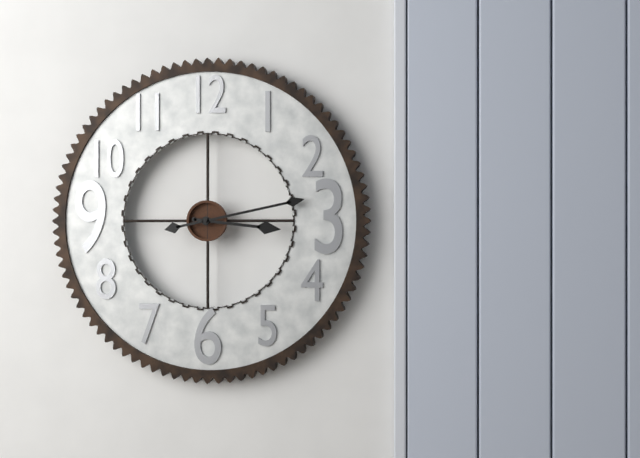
3,13
